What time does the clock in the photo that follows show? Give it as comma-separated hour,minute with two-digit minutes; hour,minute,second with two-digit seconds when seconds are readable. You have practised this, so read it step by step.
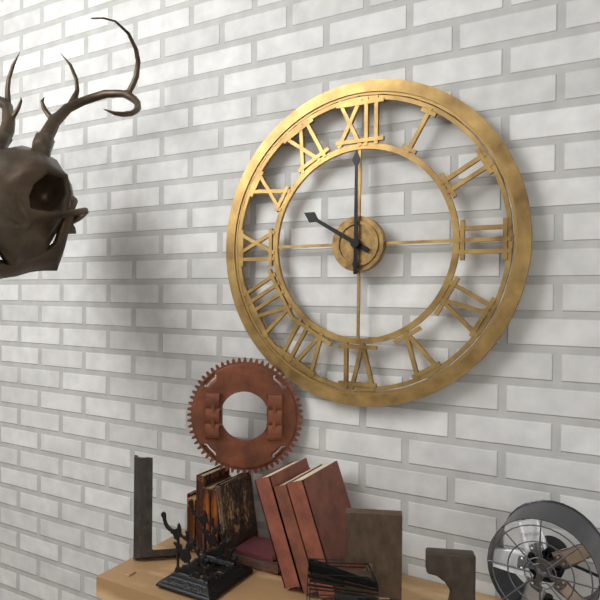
10,00
